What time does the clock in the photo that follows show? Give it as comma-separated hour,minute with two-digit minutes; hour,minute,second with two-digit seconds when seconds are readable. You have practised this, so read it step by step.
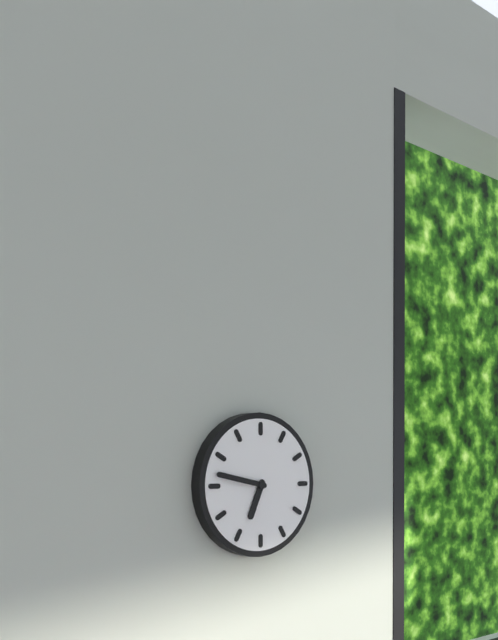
6,47
